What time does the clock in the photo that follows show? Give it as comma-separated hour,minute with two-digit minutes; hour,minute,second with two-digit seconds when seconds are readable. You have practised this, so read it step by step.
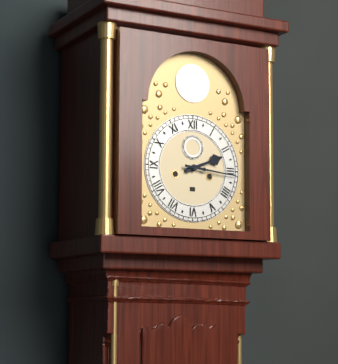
2,16
